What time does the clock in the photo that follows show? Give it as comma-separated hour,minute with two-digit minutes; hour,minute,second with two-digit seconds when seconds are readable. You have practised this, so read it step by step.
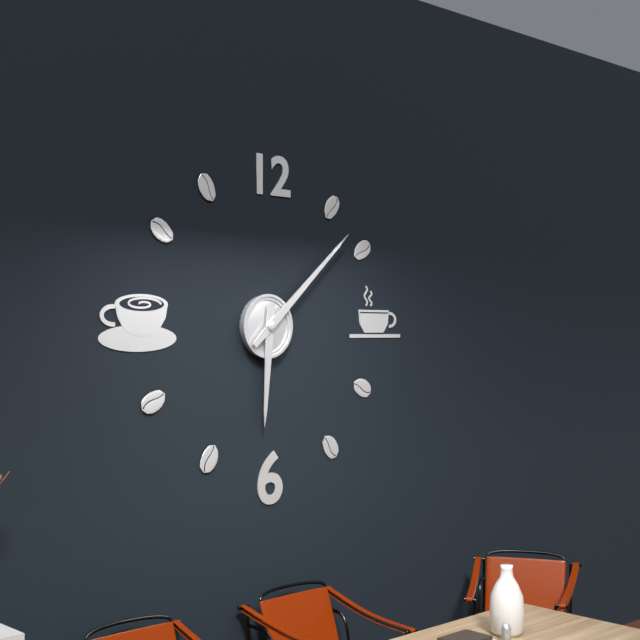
6,08
